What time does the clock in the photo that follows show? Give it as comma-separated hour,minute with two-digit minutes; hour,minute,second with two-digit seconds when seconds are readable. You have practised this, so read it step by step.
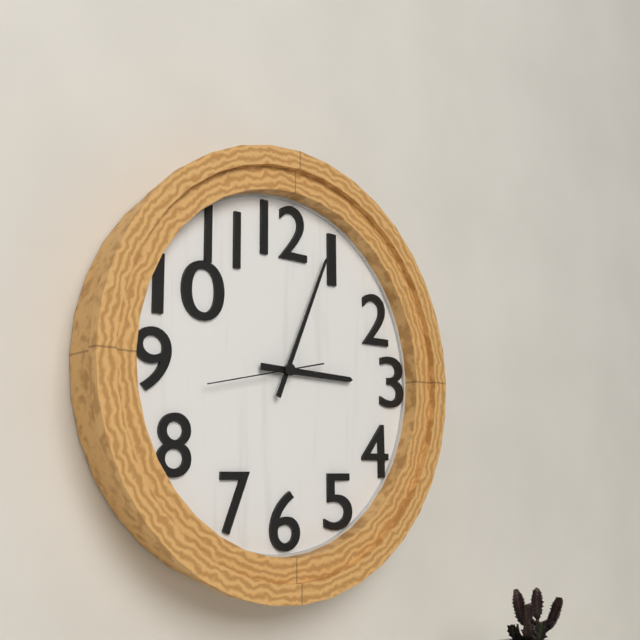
3,04,43
